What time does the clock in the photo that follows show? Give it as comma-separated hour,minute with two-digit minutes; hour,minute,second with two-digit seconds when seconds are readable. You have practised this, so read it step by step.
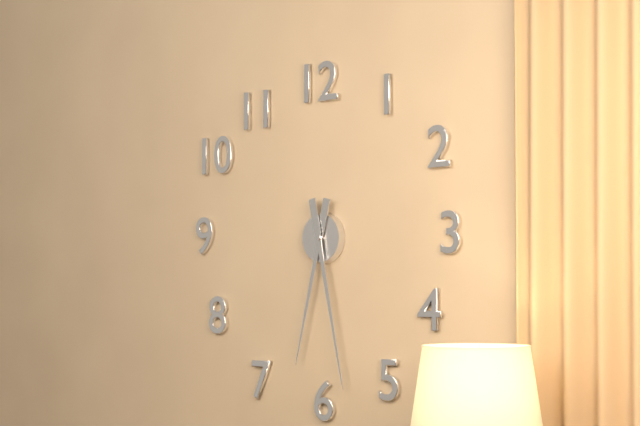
6,28
